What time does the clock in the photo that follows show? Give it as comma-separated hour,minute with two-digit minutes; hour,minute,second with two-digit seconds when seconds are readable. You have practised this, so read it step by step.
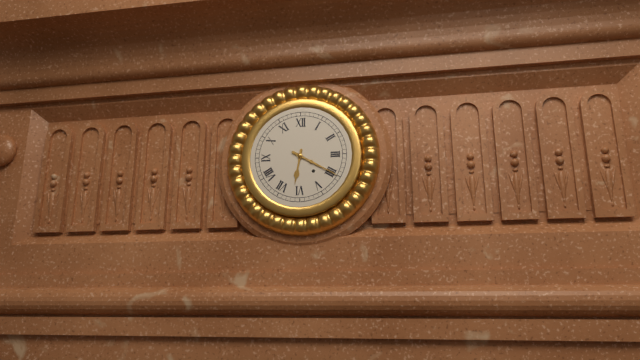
6,20
